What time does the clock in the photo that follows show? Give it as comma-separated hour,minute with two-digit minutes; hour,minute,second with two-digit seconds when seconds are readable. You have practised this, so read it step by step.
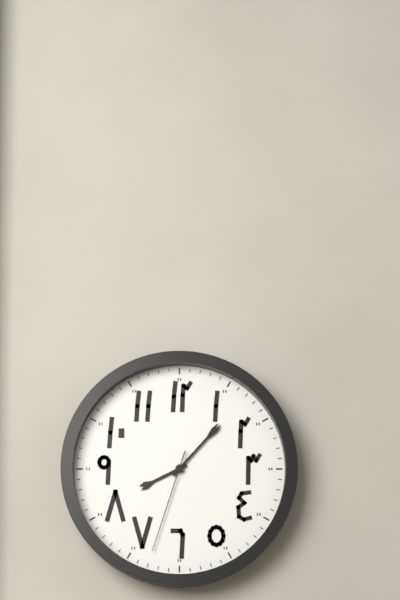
8,07,33
